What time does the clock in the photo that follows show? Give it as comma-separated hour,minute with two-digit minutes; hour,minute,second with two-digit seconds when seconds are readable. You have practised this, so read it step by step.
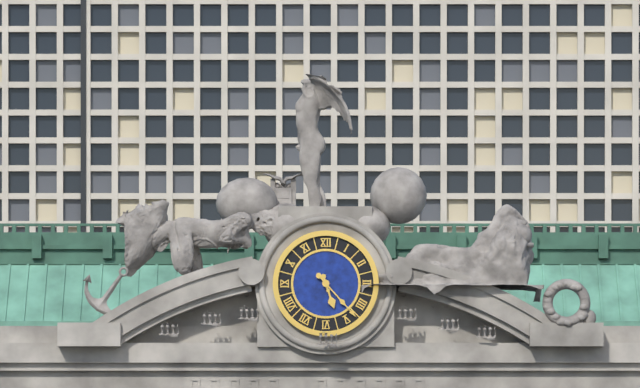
5,23
